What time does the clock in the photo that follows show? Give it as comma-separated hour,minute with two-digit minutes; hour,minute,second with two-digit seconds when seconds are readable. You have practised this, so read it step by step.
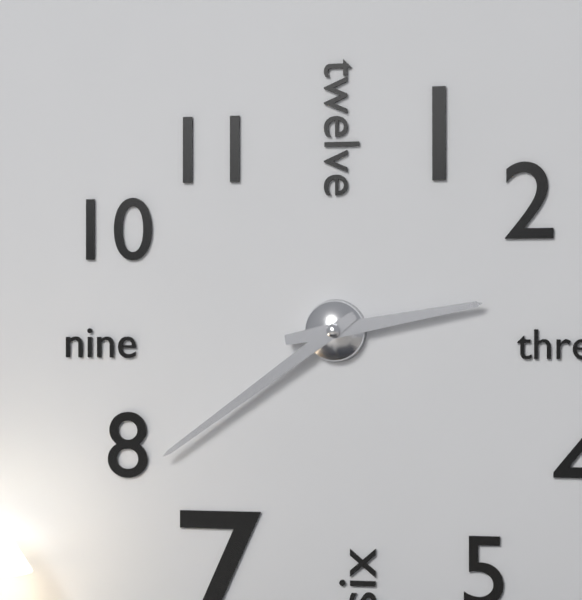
2,39
